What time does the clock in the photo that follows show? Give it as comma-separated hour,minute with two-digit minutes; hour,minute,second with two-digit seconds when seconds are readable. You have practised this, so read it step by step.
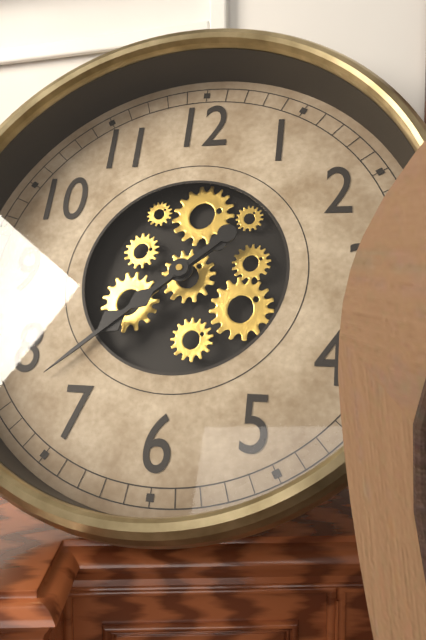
7,38
